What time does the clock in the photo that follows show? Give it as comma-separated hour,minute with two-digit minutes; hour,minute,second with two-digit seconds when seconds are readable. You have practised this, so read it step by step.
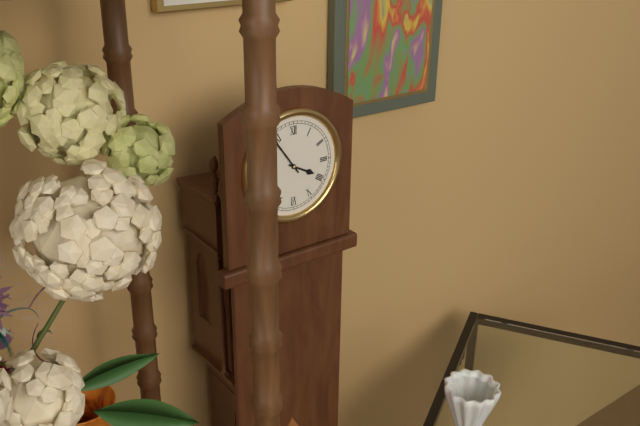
3,54
